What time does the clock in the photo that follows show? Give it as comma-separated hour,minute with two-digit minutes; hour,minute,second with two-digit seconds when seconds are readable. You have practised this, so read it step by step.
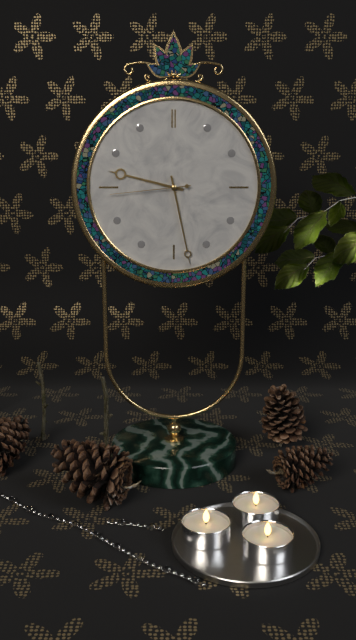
9,28,44
